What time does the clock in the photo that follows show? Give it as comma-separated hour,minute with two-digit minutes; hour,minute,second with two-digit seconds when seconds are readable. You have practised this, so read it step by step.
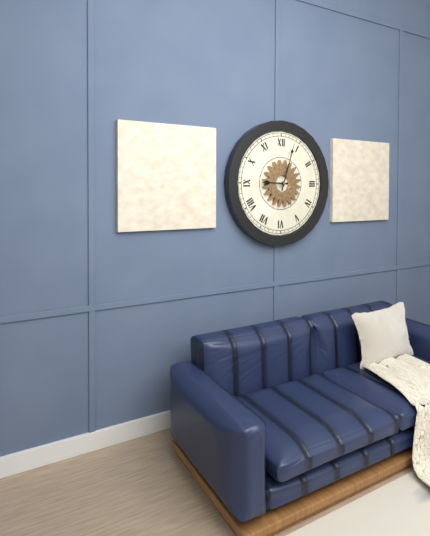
9,03
